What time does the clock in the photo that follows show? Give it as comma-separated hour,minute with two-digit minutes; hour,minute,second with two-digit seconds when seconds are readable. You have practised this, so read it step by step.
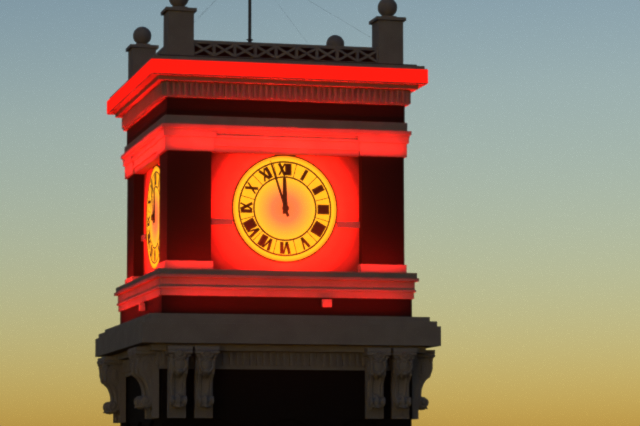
11,57
